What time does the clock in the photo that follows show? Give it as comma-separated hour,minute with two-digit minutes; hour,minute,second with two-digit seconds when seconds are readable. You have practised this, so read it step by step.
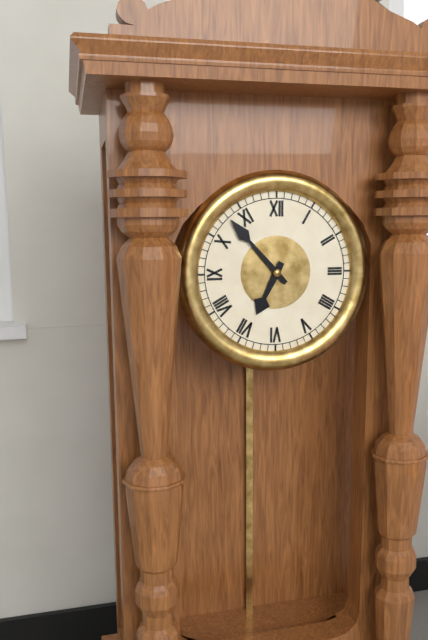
6,53
